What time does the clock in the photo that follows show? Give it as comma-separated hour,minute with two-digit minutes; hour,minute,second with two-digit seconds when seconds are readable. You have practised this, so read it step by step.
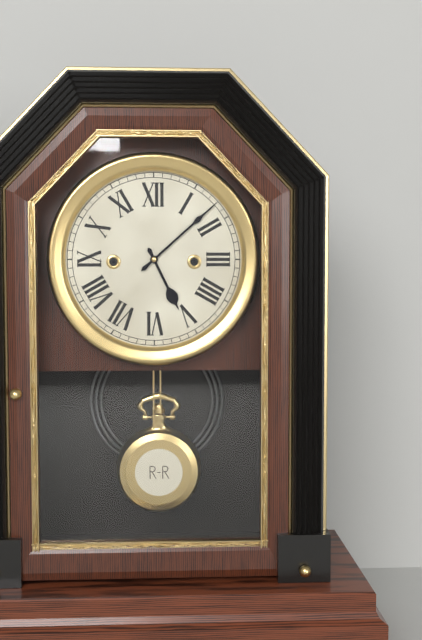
5,08
